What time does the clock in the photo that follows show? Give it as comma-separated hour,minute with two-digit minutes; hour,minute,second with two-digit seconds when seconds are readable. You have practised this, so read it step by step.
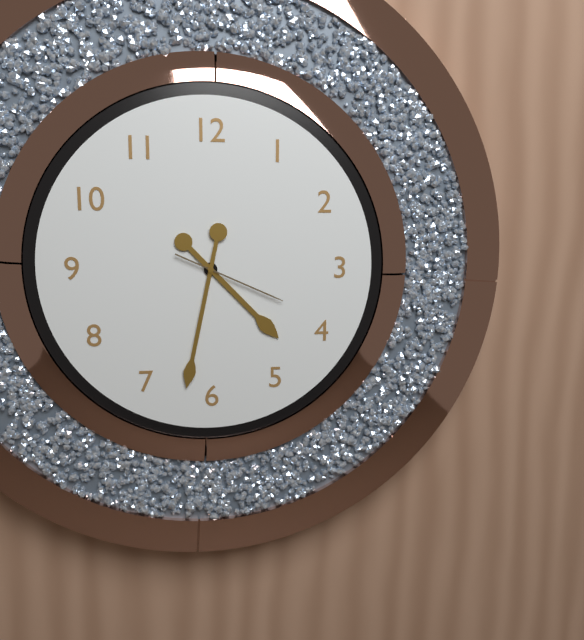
4,32,19
